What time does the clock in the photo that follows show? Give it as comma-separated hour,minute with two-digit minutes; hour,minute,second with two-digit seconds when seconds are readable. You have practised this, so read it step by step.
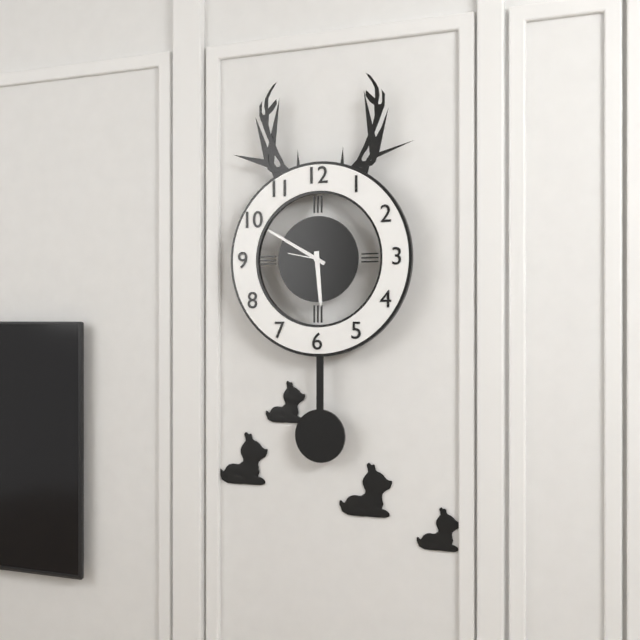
5,50
